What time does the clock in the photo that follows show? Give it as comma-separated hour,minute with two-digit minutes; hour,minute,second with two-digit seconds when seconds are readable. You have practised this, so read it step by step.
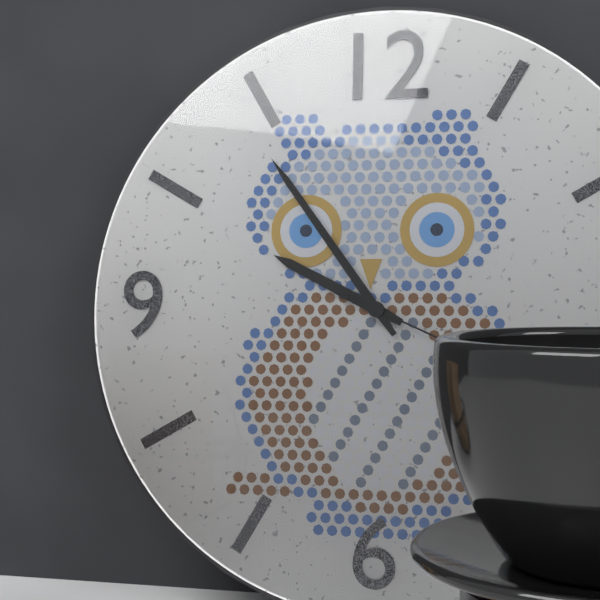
9,54
